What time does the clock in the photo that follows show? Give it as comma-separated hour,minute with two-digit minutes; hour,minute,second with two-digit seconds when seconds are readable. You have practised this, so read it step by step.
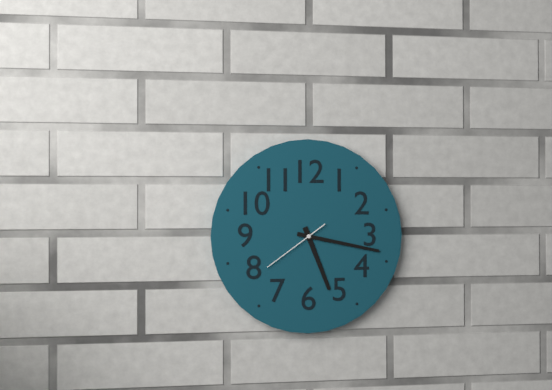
5,17,39
